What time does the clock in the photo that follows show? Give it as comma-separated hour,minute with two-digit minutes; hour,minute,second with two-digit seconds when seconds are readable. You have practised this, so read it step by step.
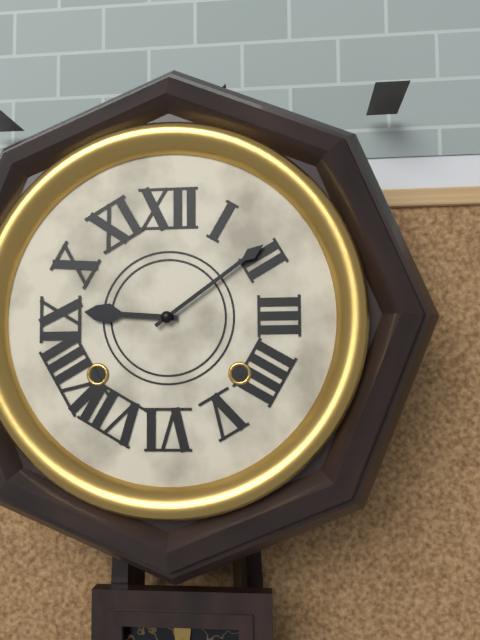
9,09
